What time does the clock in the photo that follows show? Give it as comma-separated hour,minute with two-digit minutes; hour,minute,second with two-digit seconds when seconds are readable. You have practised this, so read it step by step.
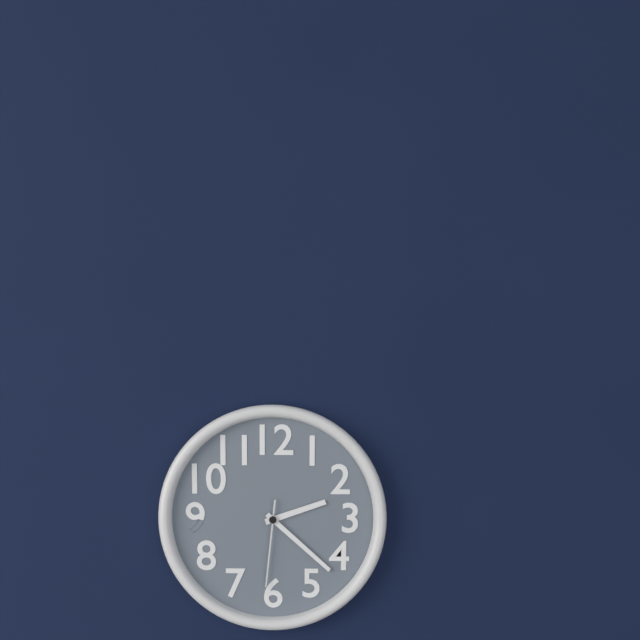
2,22,31
